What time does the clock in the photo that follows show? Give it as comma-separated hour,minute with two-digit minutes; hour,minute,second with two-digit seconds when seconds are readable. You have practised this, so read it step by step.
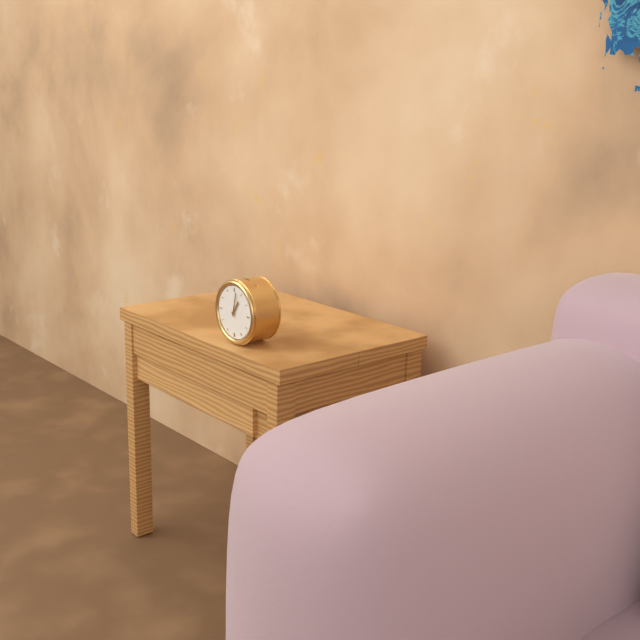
1,02
